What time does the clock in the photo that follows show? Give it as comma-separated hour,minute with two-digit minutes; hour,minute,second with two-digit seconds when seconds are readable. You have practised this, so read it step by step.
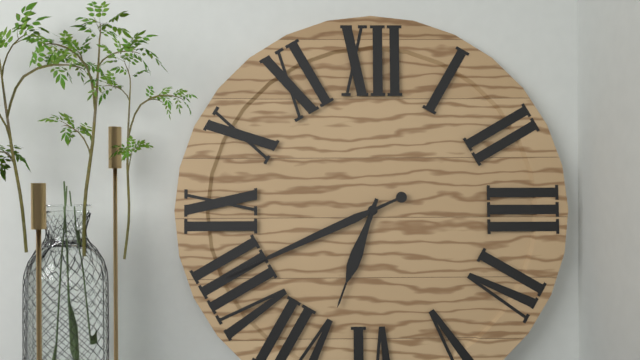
6,41
